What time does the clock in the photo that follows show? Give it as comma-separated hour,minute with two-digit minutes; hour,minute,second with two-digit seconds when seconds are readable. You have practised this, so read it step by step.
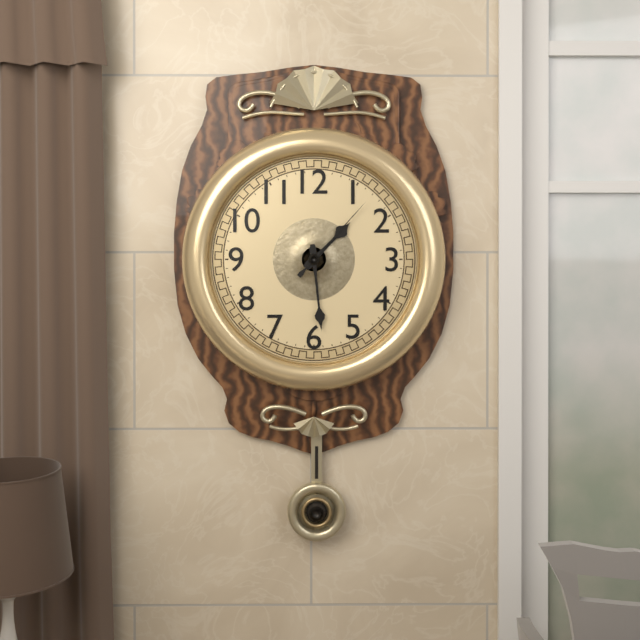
1,29,07
